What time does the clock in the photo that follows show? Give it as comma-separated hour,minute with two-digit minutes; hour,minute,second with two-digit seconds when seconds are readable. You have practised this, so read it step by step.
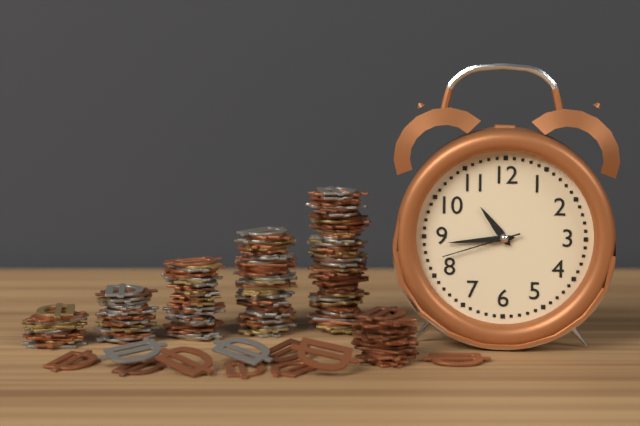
10,44,42
